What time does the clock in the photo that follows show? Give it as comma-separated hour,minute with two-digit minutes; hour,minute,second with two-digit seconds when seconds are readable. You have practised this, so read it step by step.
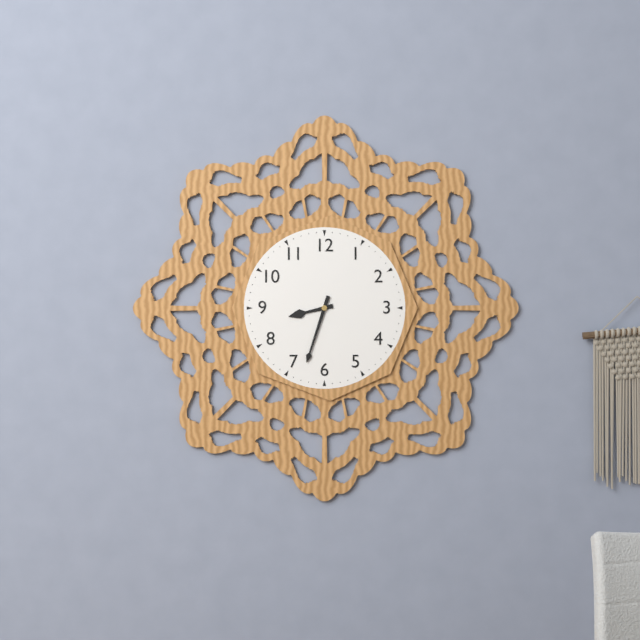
8,33
